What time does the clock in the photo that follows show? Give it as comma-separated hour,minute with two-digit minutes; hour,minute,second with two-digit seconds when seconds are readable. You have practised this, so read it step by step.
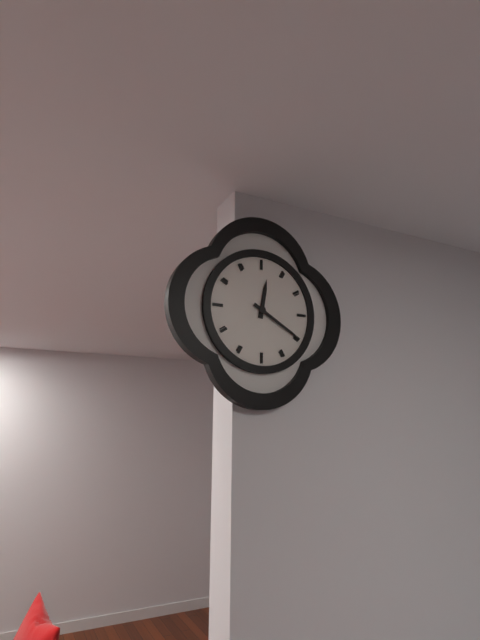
12,20
